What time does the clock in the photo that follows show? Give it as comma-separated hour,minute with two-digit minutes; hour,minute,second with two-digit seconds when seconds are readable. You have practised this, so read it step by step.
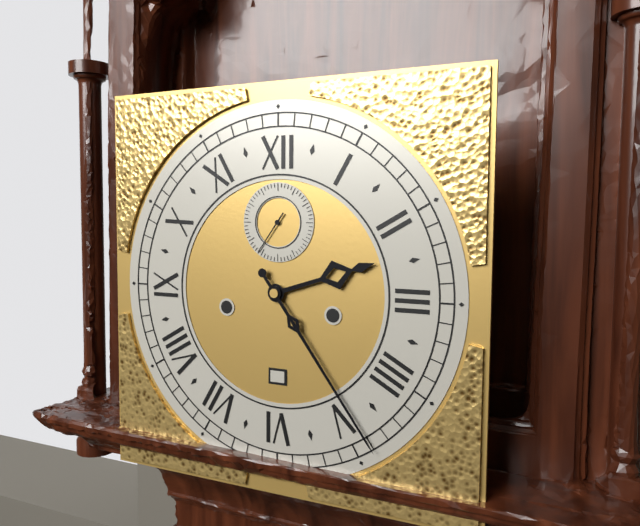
2,24
